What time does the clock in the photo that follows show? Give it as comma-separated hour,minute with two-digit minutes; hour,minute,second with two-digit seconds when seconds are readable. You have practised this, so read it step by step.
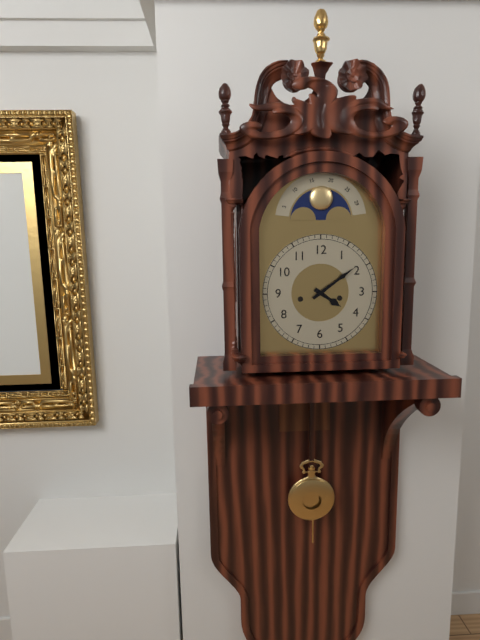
4,09
